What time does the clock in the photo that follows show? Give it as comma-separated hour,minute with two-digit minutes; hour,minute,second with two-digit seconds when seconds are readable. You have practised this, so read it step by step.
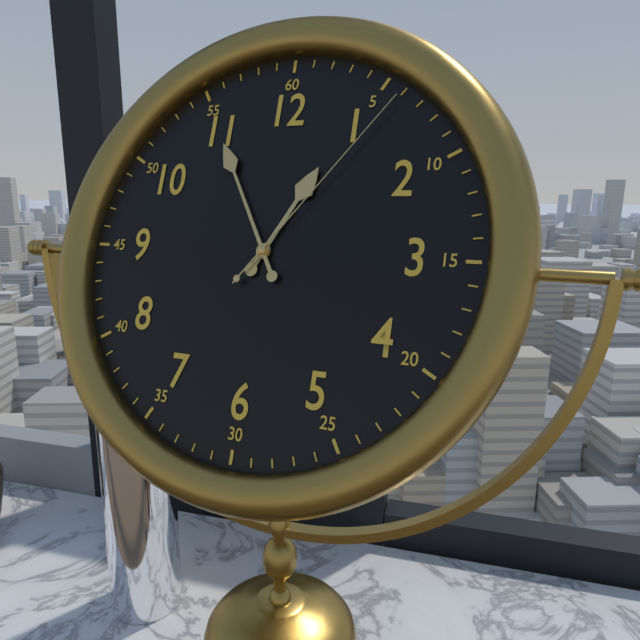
12,55,06
